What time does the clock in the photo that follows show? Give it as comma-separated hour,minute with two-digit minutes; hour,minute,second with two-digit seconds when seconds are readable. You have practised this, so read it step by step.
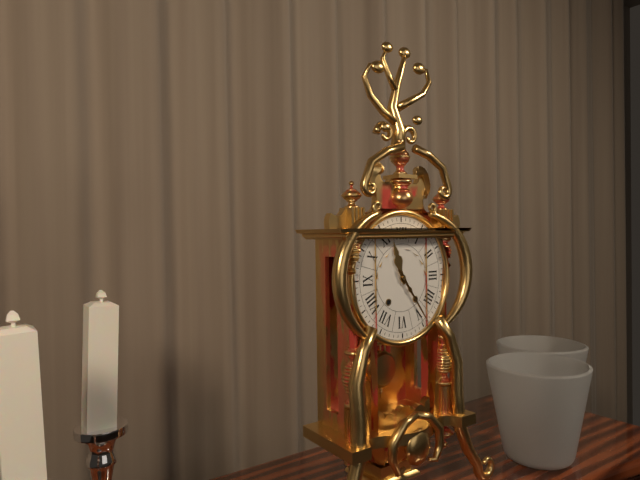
11,24
